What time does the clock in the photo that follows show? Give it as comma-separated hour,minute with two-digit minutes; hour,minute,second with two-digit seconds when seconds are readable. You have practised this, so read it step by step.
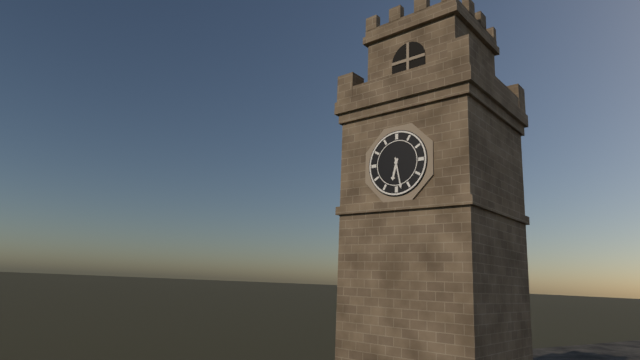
6,28
